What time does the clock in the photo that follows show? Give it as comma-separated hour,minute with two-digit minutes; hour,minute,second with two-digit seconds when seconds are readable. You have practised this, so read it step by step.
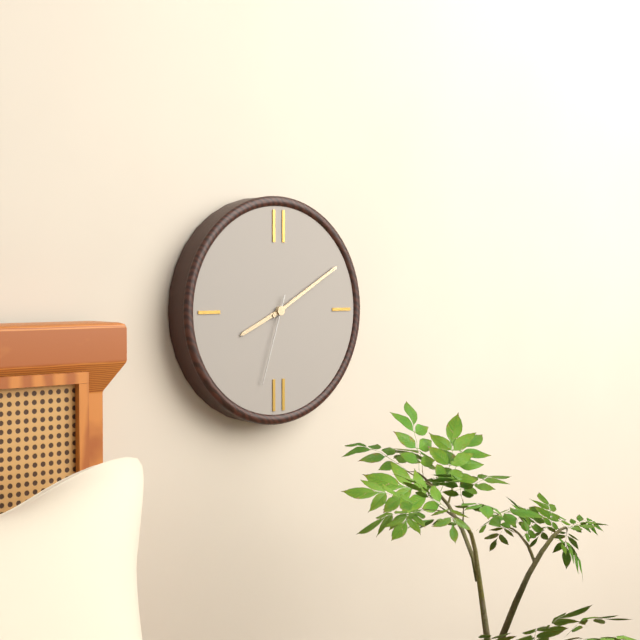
8,10,33
